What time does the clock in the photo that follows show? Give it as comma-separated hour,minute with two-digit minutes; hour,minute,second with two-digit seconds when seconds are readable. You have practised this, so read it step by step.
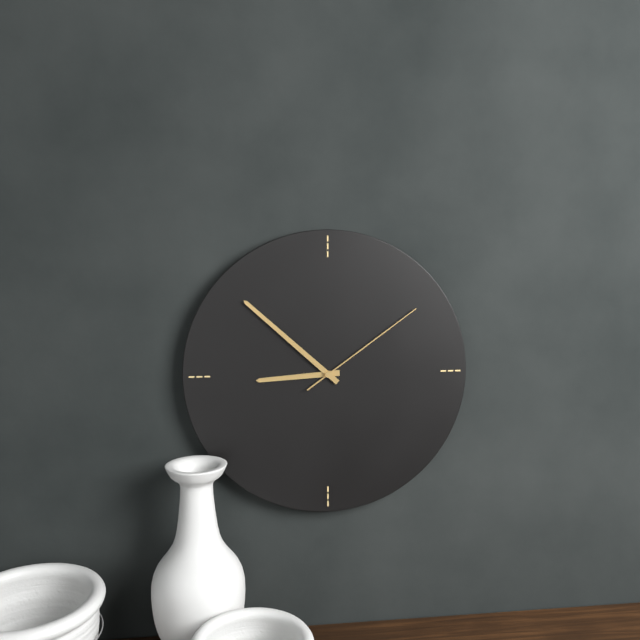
8,52,09
